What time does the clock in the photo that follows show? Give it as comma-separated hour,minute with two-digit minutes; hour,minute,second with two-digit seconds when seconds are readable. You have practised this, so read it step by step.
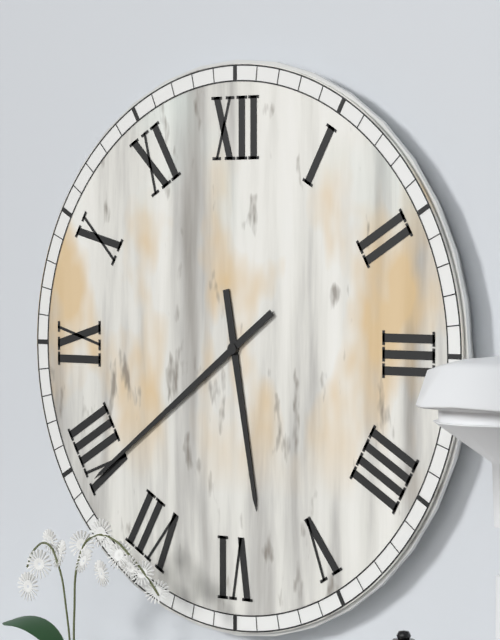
5,39
